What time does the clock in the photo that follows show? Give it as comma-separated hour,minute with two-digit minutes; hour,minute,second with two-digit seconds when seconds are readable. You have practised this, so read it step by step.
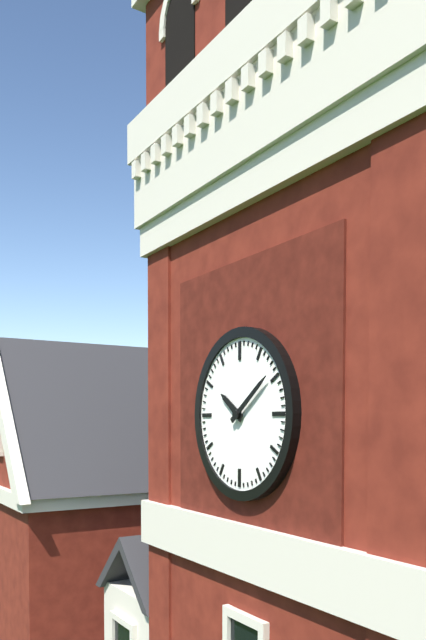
10,09
